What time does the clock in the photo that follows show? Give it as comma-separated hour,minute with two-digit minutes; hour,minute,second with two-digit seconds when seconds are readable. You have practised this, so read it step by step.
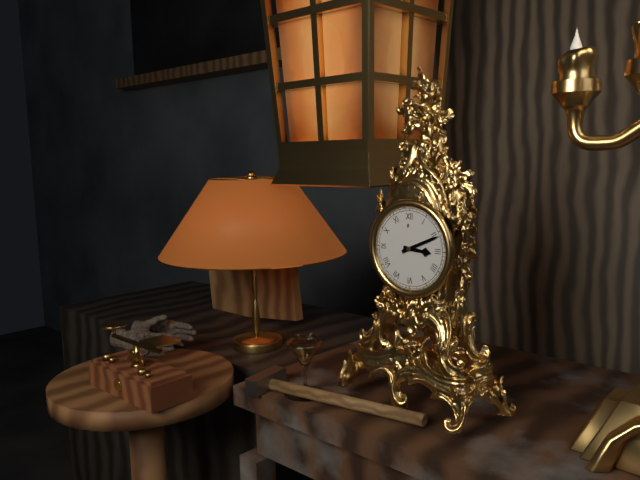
3,11
